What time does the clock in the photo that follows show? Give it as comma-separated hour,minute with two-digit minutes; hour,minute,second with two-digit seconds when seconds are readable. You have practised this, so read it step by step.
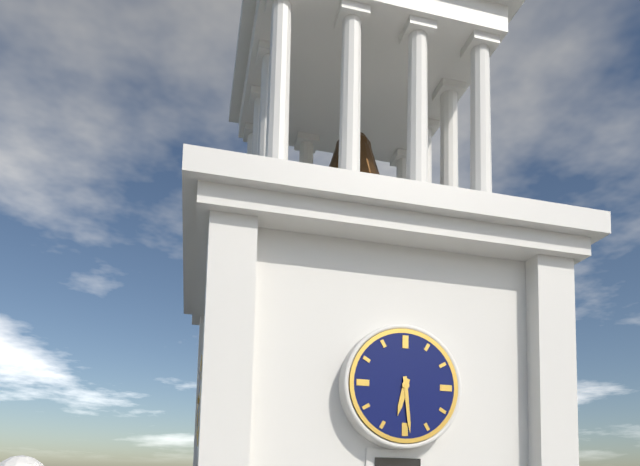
6,29
